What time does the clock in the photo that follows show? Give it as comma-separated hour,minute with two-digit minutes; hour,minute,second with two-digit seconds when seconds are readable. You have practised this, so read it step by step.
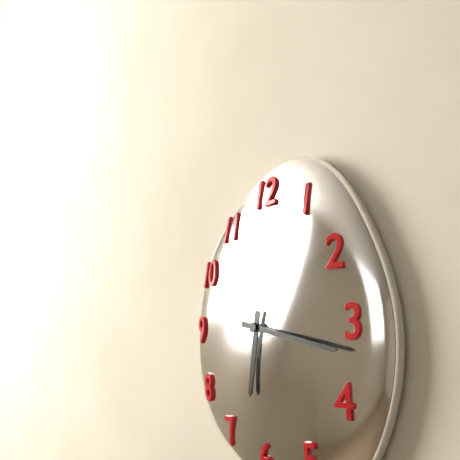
6,17
